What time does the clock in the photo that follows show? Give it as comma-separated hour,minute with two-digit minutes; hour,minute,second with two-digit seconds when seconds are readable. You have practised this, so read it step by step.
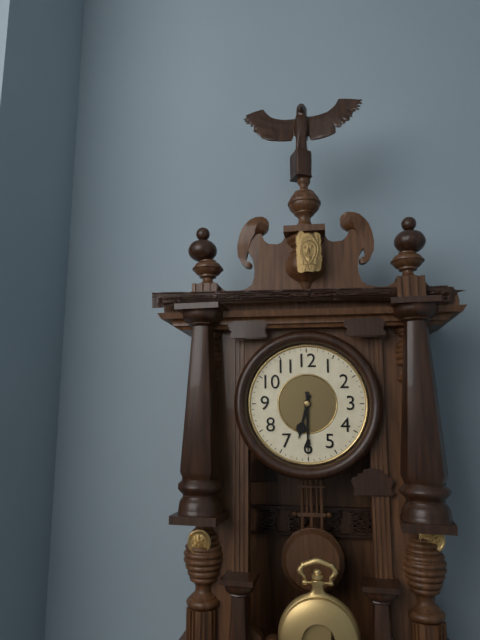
6,30
